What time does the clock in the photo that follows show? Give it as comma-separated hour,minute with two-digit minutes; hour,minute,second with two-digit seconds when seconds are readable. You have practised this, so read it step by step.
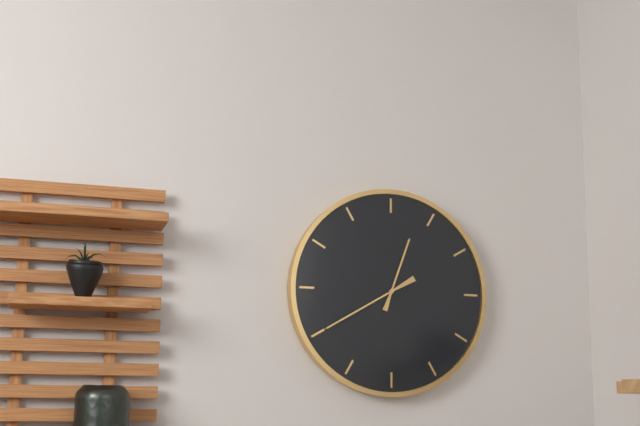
12,40
